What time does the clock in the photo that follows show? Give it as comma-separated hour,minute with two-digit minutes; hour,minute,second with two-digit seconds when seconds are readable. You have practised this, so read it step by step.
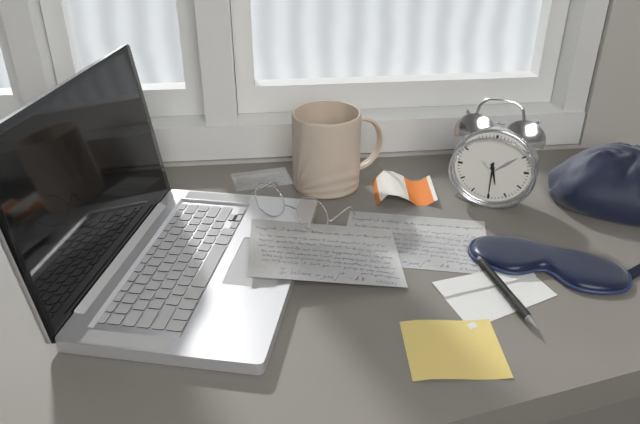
5,30
